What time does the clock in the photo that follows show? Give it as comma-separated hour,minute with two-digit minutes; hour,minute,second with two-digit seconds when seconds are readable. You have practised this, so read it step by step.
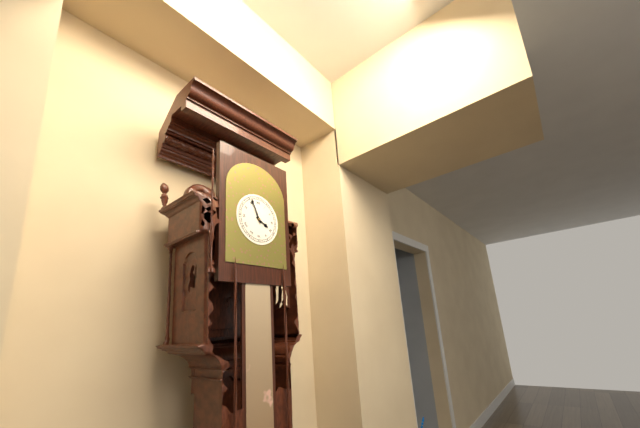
3,56
